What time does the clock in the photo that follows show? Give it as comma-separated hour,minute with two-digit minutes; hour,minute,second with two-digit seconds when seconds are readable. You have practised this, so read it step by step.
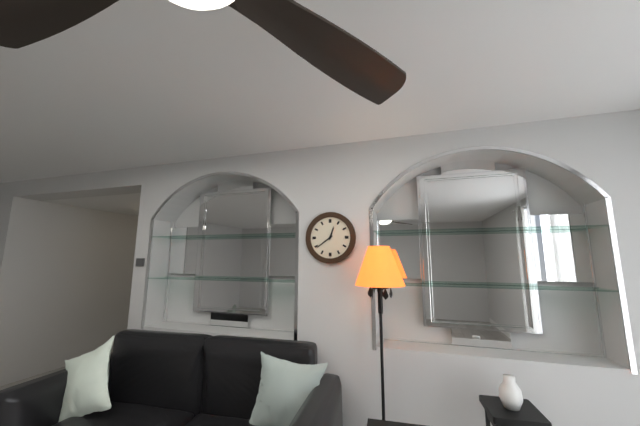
12,39
